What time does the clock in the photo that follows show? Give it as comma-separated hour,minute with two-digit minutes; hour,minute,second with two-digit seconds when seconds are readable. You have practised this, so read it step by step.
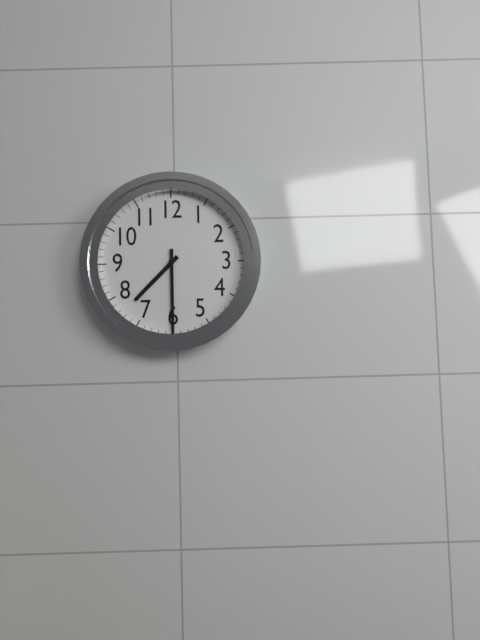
7,30
